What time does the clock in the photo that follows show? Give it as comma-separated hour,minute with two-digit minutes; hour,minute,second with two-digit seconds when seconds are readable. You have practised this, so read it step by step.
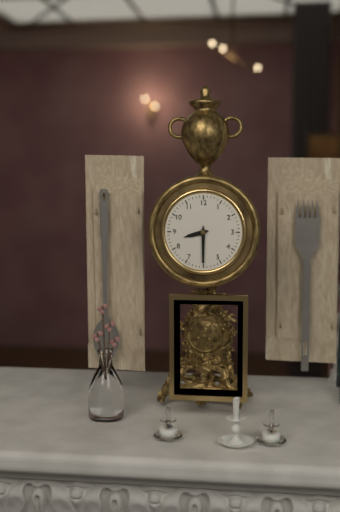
8,30
